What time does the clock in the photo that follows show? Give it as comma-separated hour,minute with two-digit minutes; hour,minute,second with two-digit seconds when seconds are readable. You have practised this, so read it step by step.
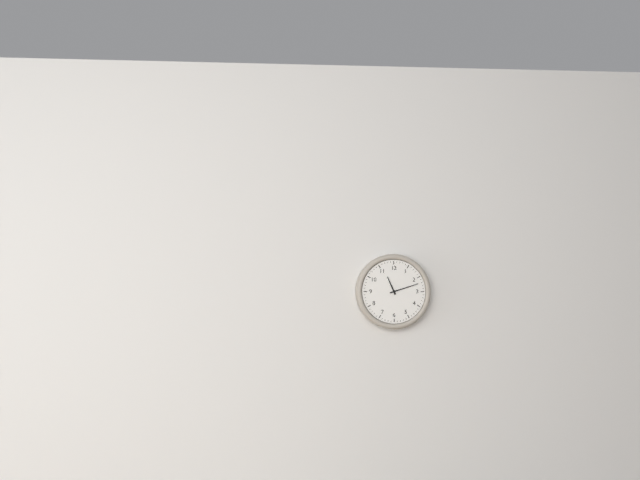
11,12
